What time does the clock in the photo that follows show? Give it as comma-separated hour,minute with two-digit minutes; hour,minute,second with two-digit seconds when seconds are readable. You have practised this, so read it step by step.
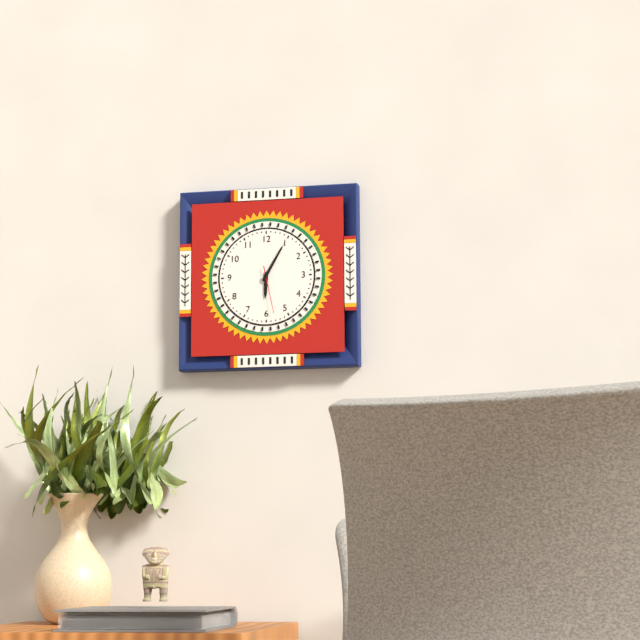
6,05
